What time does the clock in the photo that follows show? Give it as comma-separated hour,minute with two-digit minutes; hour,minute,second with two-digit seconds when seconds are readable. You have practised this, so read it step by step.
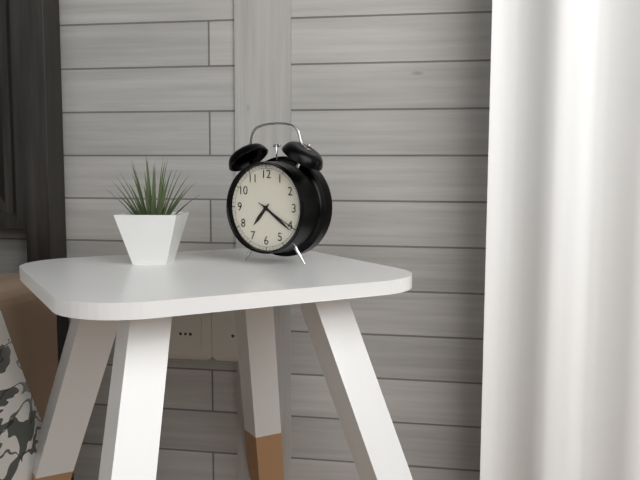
7,21
